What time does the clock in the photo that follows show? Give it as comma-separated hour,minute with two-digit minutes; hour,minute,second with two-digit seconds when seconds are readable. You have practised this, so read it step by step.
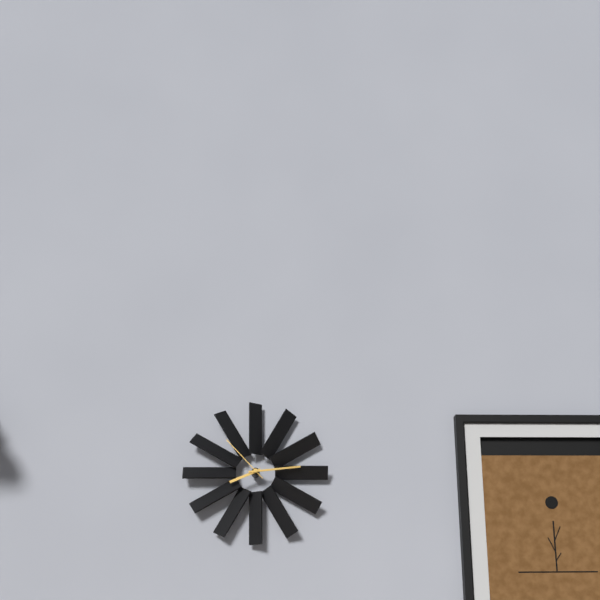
8,14,53
